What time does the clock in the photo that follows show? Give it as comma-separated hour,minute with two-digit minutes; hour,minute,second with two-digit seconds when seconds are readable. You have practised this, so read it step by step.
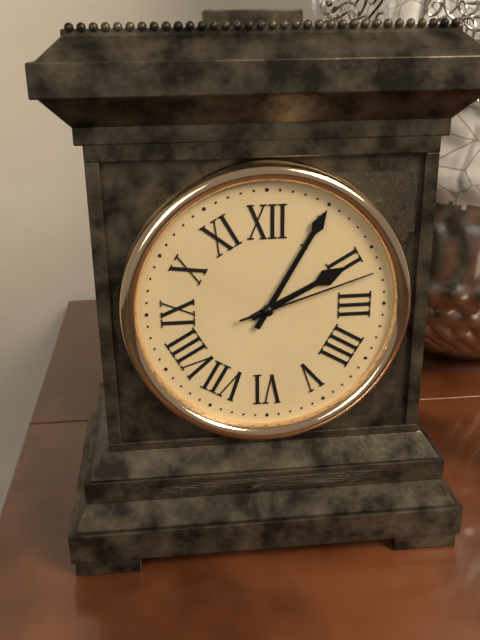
2,05,12
